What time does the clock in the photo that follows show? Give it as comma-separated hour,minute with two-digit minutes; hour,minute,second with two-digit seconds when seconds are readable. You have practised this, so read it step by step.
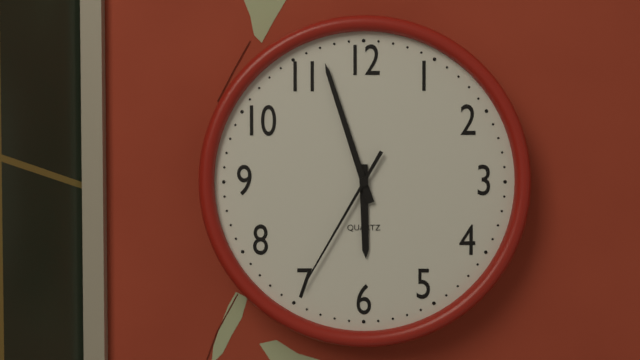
5,57,35
